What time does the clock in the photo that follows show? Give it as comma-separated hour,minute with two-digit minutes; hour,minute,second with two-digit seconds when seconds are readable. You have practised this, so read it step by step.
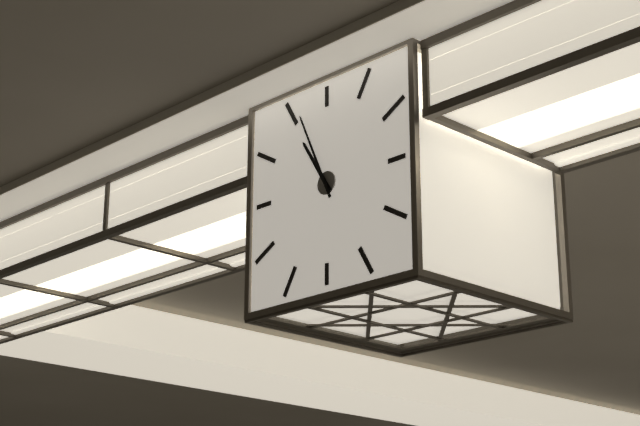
10,56
